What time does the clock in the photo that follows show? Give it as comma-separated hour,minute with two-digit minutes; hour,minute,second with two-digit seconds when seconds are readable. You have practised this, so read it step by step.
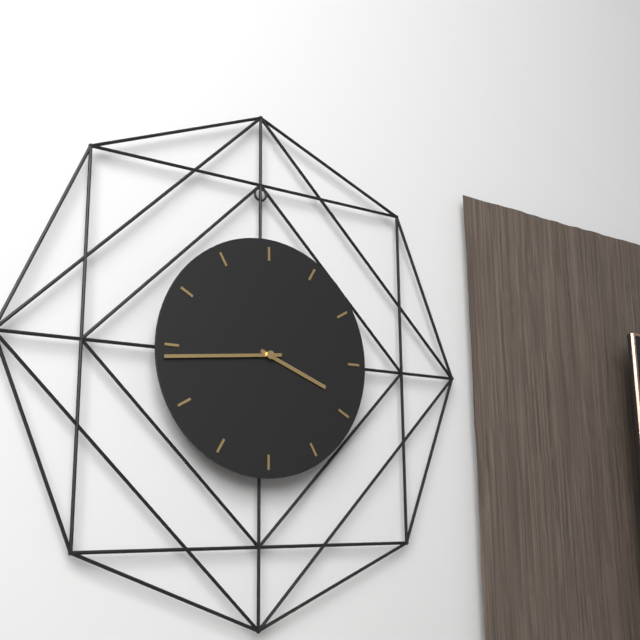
3,44
